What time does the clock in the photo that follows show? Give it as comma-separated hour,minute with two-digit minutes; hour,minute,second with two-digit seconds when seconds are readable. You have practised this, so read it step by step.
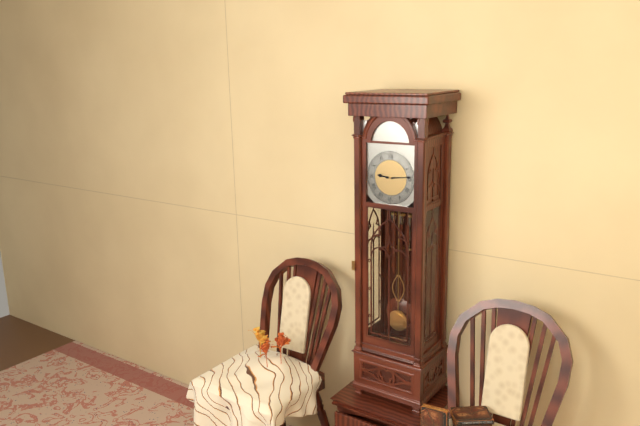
9,14
